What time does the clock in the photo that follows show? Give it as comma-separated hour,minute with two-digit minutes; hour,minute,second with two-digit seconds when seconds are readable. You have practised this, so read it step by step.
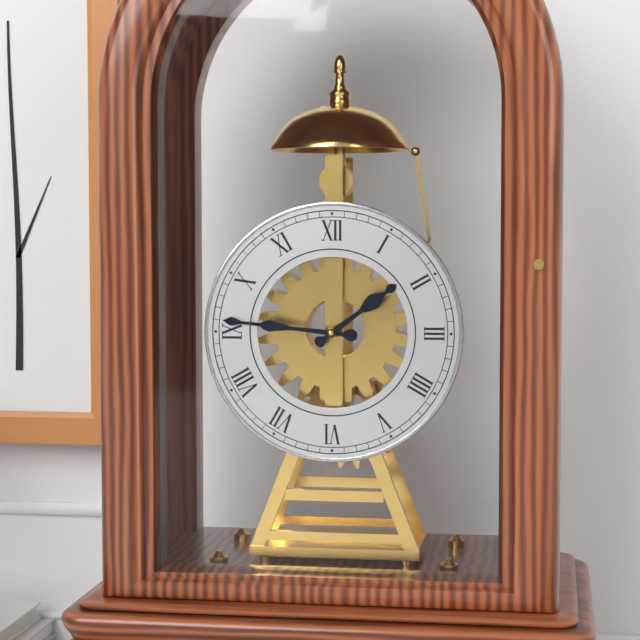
1,46
